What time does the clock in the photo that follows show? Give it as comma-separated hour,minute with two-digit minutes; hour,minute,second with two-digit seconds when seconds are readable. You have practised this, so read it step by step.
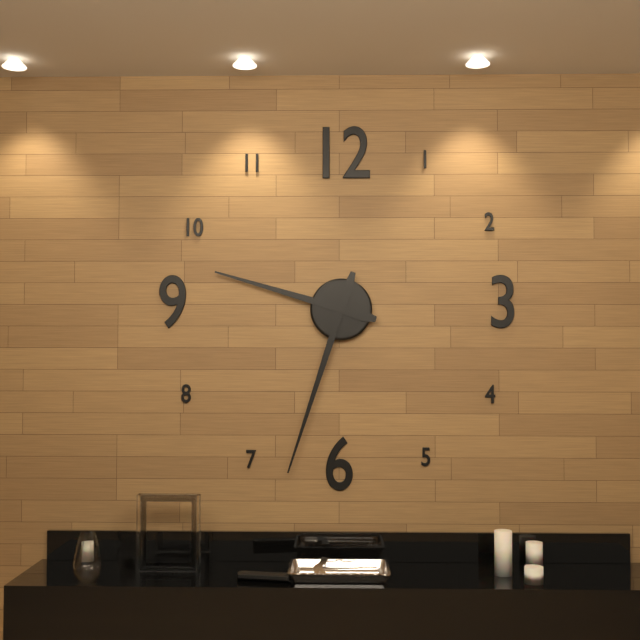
9,33
